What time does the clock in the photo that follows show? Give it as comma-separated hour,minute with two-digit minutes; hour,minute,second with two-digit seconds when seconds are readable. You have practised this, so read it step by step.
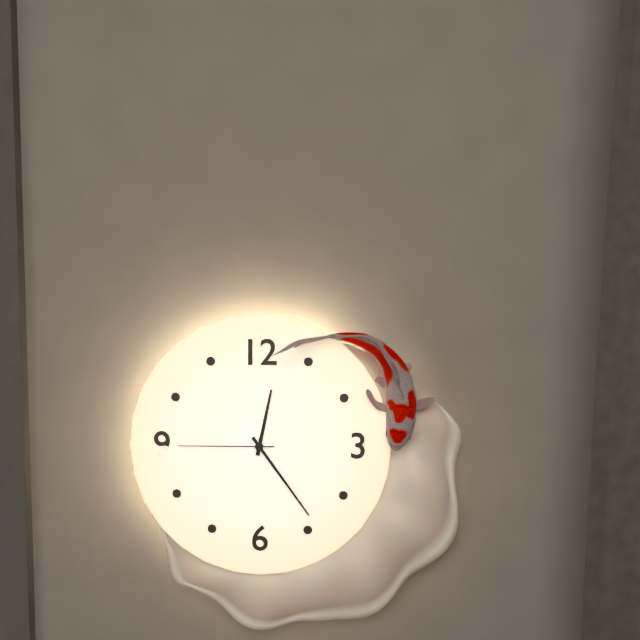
12,24,45
